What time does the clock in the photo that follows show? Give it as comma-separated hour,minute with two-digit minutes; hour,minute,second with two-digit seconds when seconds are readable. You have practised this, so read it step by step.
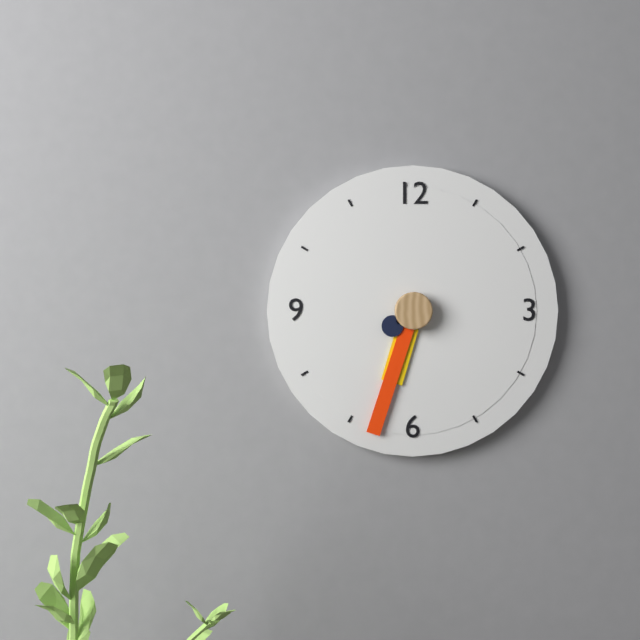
6,33
